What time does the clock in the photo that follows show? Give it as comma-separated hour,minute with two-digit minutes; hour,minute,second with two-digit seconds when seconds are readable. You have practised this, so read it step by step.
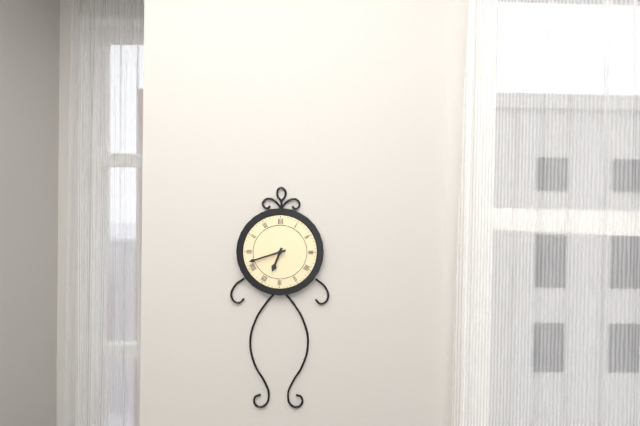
6,42
